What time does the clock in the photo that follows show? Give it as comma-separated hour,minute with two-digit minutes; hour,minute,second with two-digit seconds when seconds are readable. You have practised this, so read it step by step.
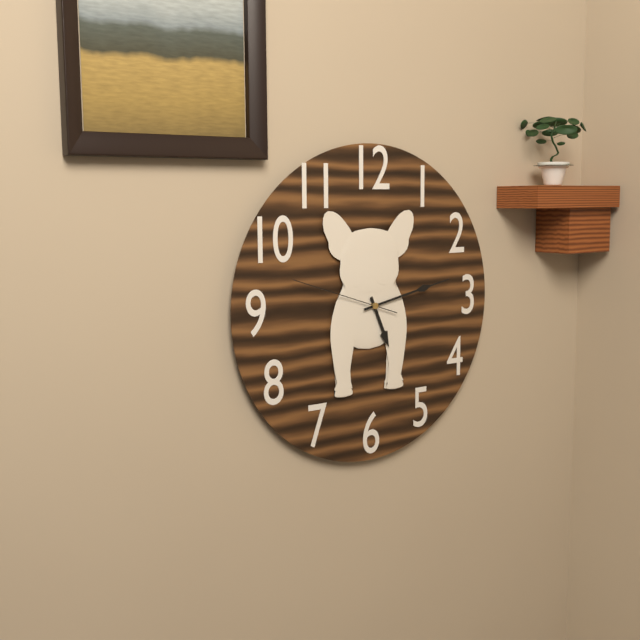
5,13,48
